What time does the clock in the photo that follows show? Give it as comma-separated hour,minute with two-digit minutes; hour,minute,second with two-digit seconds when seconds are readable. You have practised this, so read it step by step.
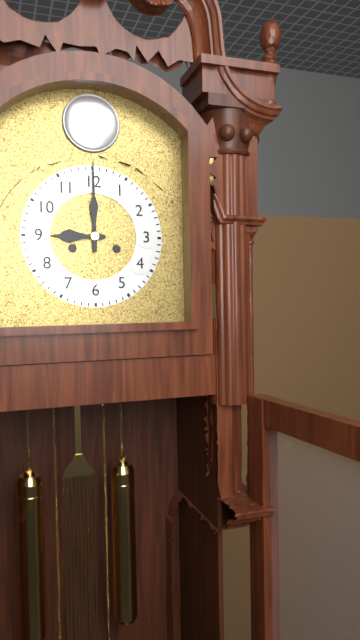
9,00
